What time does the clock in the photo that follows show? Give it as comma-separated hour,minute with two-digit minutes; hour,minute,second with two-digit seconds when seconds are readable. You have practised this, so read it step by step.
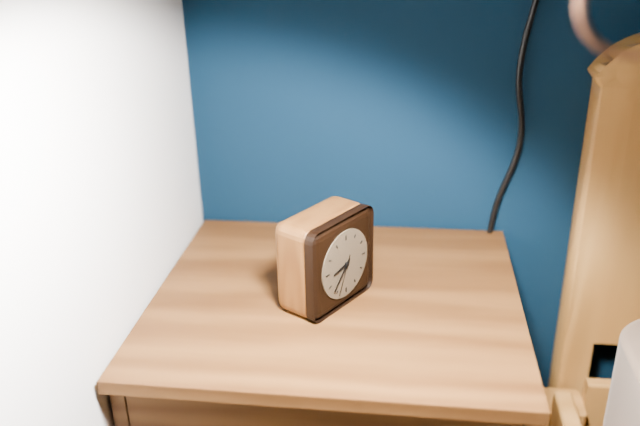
8,37
